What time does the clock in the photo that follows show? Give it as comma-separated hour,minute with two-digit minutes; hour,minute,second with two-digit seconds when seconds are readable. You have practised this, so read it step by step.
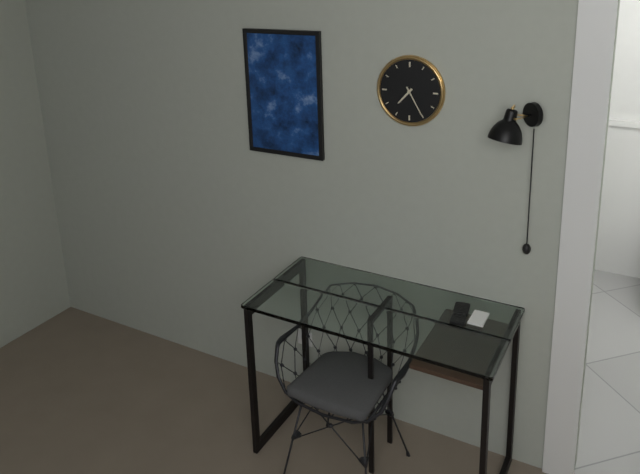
7,25
